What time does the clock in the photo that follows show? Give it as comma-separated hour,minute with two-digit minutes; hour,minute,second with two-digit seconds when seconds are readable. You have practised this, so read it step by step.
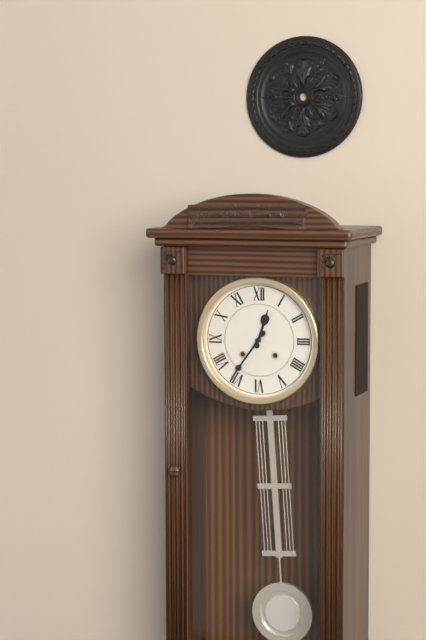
12,36
